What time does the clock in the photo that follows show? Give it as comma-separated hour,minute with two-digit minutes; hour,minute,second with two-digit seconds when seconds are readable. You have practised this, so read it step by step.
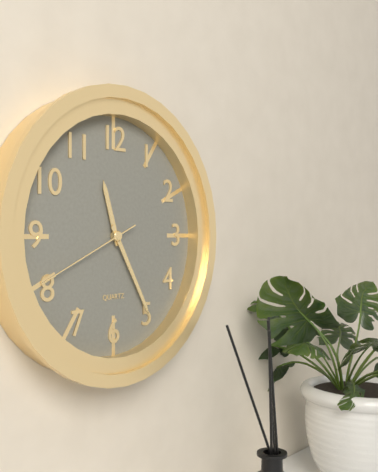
11,25,41
